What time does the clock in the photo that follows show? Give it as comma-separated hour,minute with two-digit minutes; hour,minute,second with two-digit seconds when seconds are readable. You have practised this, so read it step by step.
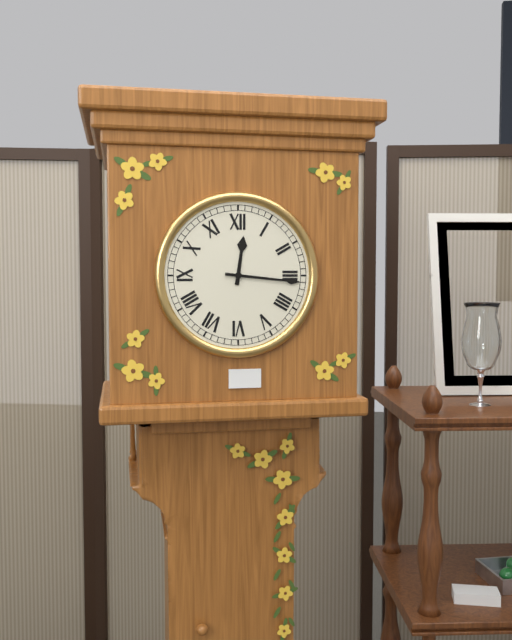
12,16
